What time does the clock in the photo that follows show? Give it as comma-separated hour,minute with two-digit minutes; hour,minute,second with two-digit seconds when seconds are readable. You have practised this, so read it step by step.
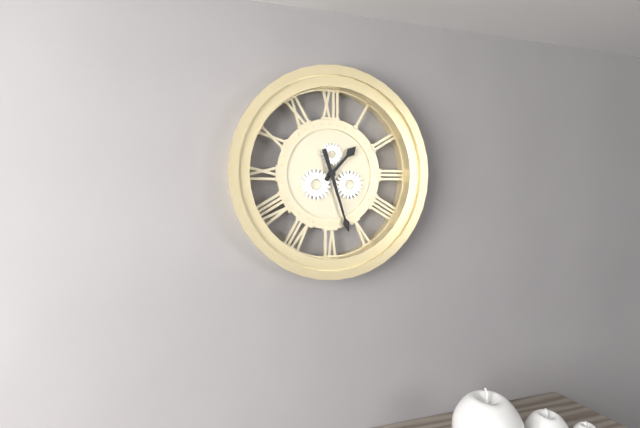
1,27
